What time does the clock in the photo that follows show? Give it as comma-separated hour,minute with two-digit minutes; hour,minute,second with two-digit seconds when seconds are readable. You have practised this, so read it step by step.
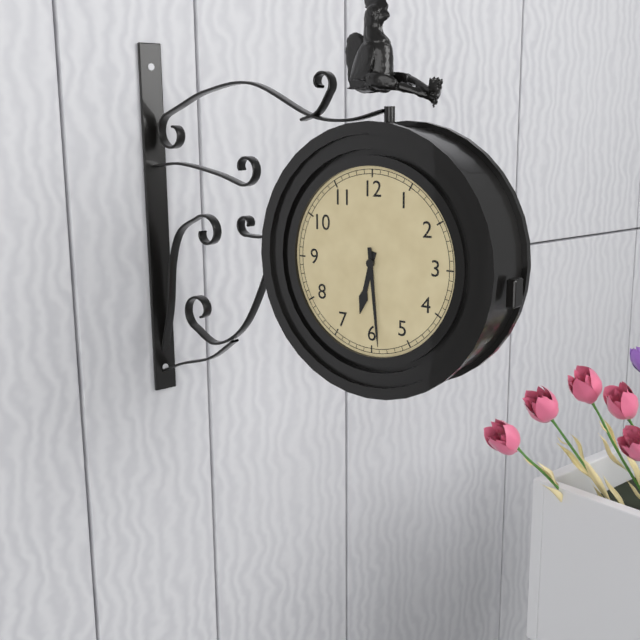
6,29
